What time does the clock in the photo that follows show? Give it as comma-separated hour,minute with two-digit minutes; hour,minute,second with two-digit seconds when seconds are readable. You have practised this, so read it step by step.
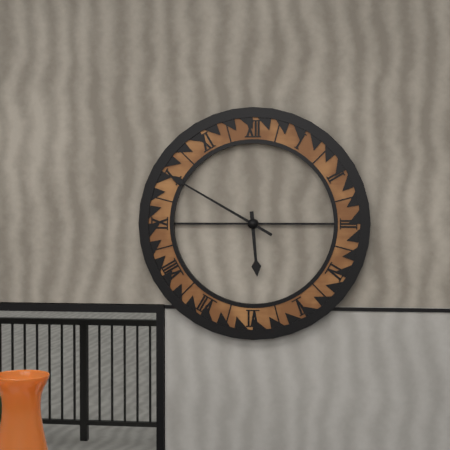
5,50
